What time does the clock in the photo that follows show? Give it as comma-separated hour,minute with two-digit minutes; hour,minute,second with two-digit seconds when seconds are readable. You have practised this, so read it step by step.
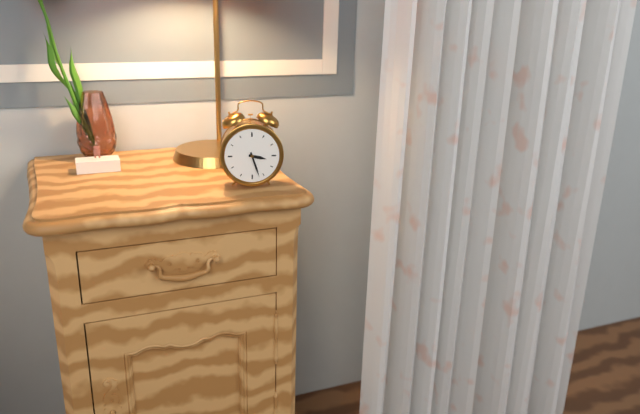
3,27
